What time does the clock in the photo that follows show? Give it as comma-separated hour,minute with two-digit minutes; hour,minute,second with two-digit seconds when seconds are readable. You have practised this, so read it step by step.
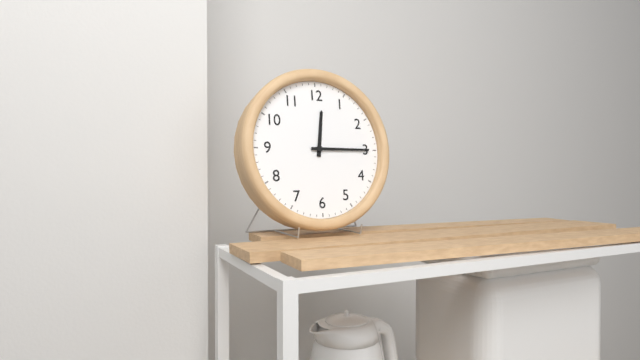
12,15
